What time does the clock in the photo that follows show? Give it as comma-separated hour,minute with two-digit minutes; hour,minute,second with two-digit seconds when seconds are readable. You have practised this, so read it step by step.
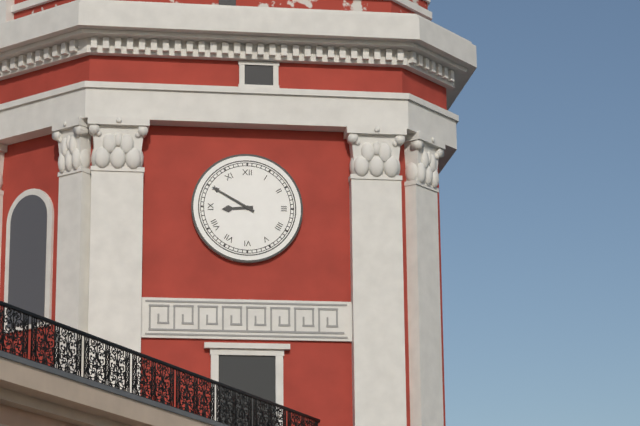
8,50
